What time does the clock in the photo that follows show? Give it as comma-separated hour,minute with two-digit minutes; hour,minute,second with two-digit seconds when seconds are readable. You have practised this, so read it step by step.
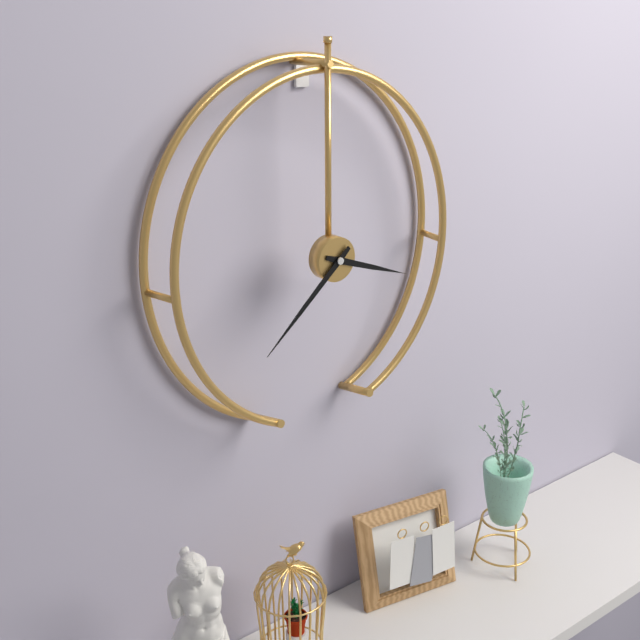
3,38
